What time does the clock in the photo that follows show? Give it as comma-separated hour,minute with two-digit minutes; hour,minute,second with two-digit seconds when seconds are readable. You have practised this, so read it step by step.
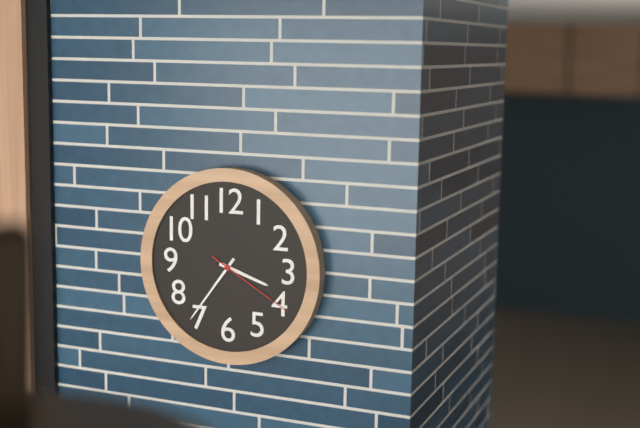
3,36,20
